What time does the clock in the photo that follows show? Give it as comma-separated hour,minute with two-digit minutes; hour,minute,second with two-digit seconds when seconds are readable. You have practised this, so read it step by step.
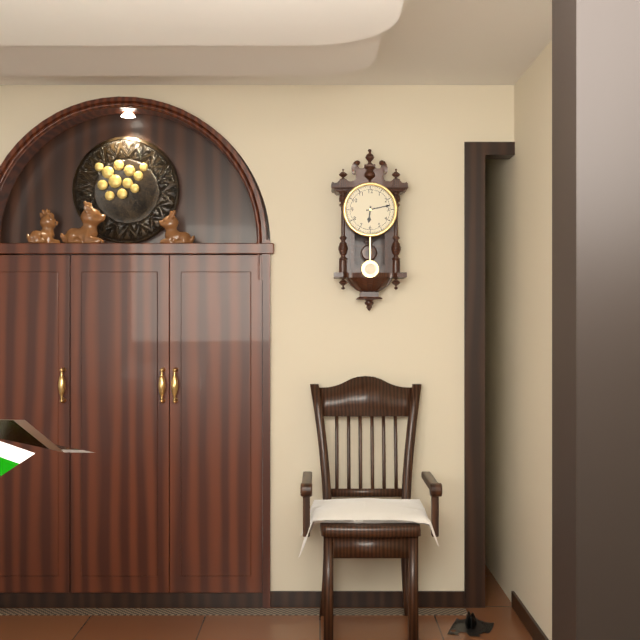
6,13
